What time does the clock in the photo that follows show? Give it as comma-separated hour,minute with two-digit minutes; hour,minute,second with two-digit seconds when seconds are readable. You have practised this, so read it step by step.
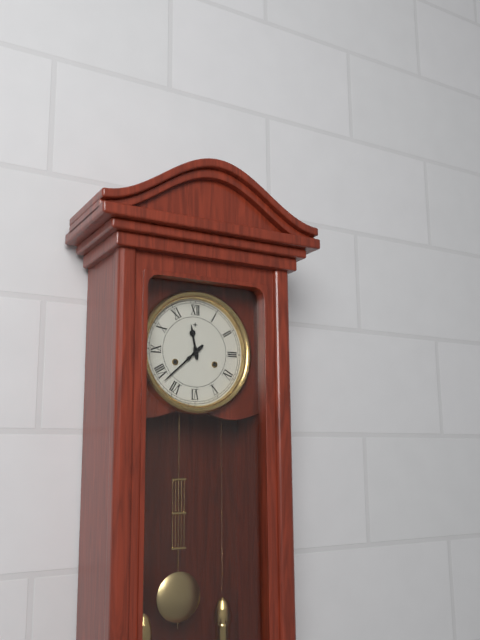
11,38
